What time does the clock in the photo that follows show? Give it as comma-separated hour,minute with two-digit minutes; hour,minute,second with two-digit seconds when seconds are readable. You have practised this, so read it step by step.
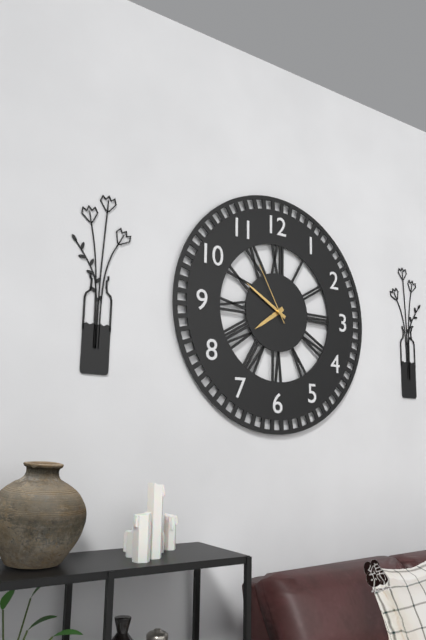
7,50,55
